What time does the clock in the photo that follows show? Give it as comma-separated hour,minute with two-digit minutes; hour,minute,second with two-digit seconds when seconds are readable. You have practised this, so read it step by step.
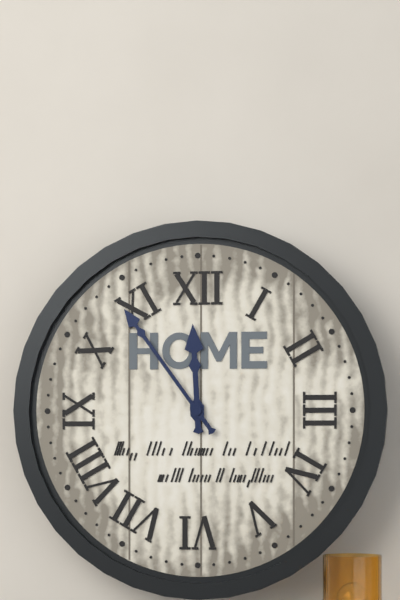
11,54
